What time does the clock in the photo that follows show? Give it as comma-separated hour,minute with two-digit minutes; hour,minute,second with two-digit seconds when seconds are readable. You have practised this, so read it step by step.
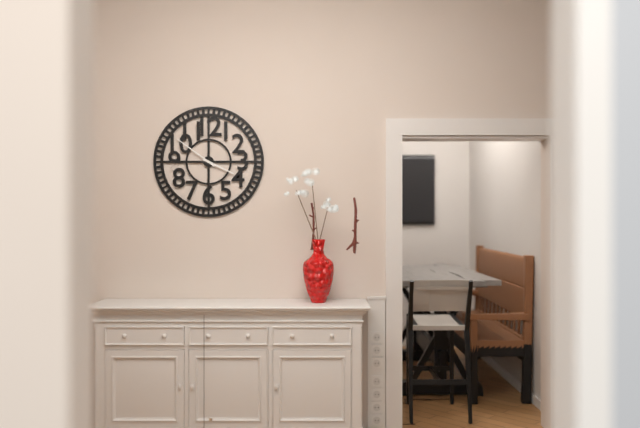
3,51
